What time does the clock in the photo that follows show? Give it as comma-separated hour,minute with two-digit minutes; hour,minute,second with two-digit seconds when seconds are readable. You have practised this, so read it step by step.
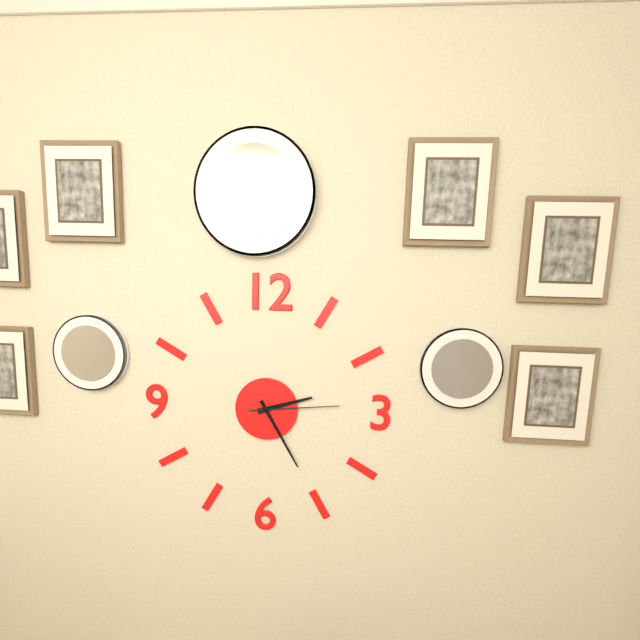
2,25,14
